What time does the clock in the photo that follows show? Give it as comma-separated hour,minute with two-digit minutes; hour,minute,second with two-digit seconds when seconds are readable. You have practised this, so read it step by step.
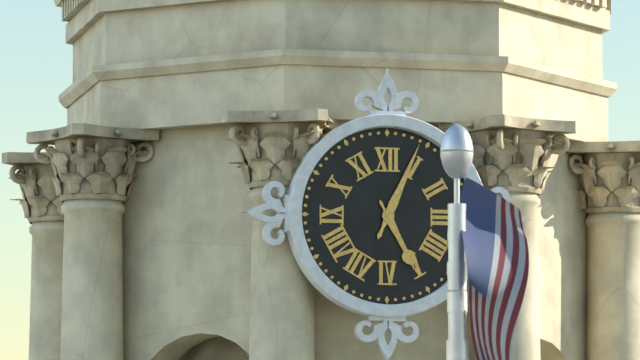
5,04
